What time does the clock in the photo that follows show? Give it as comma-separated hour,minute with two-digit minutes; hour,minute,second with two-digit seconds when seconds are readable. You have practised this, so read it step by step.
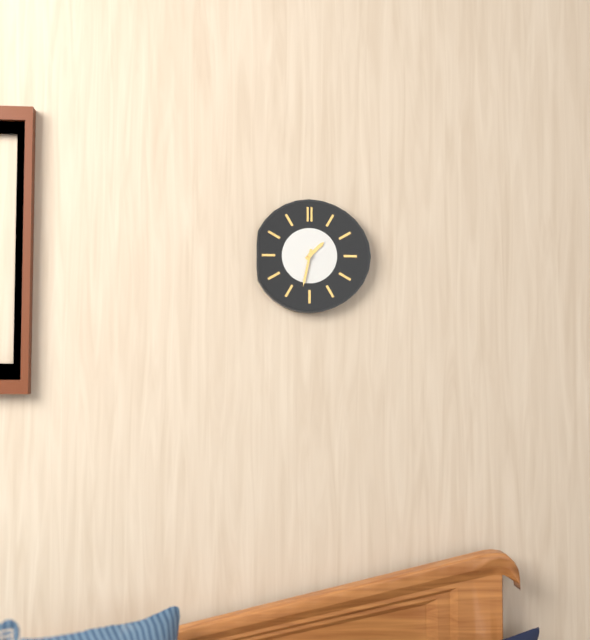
1,32
